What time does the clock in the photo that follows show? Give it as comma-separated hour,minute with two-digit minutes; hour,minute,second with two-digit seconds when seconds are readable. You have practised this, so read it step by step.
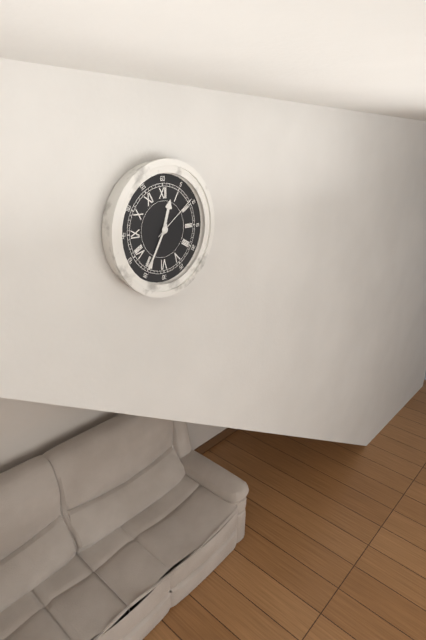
12,35,09
